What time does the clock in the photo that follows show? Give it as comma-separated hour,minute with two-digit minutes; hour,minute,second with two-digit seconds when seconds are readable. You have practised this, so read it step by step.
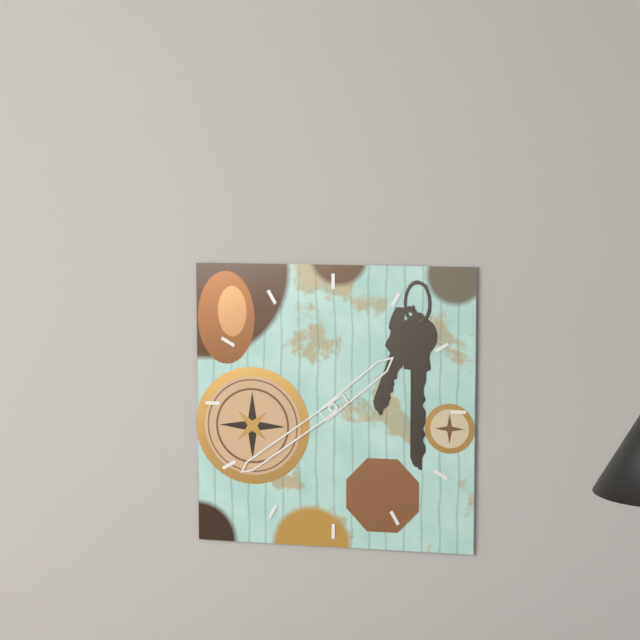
1,39
